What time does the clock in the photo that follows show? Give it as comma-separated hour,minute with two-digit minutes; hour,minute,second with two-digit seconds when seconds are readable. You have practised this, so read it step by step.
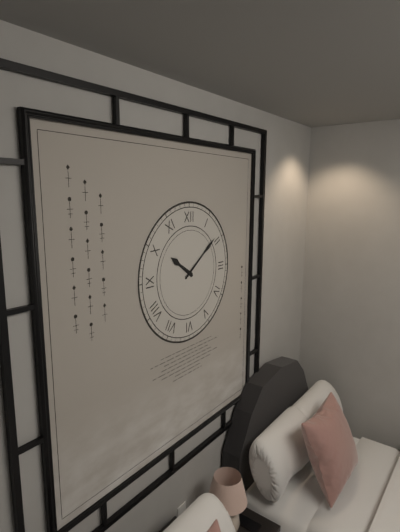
10,09
